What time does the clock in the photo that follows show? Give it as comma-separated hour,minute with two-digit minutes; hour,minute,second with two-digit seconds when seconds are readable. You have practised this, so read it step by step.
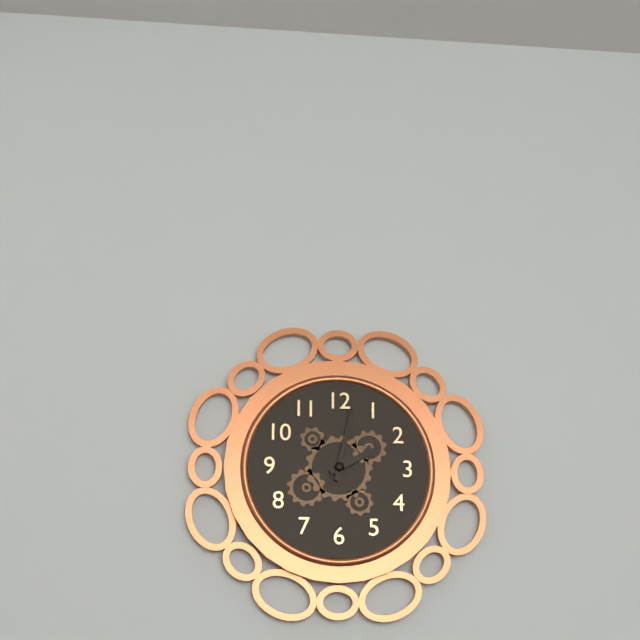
2,02
